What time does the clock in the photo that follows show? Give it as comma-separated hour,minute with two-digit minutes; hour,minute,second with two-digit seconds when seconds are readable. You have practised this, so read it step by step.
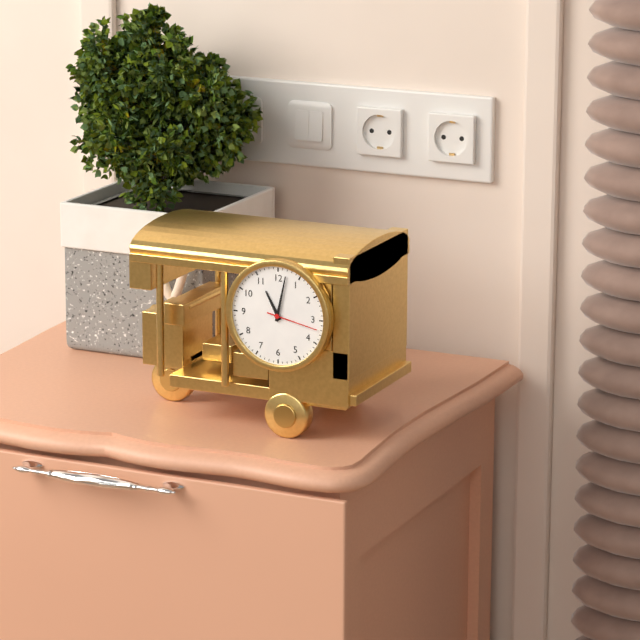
11,02,17
